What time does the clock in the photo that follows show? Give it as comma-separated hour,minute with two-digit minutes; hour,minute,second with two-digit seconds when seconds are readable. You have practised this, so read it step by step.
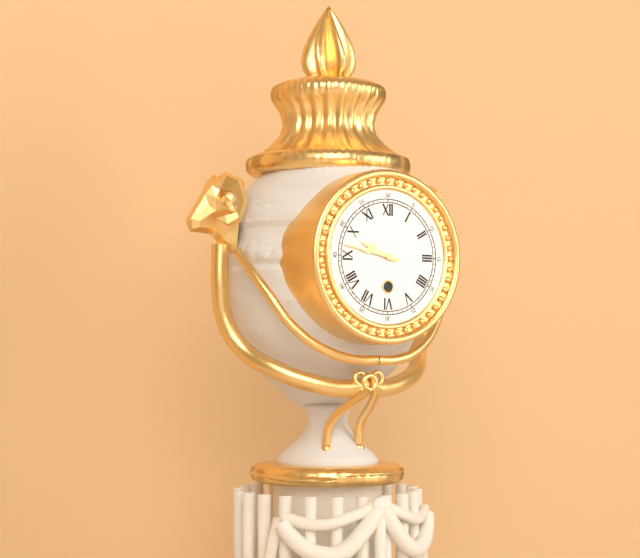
9,47
